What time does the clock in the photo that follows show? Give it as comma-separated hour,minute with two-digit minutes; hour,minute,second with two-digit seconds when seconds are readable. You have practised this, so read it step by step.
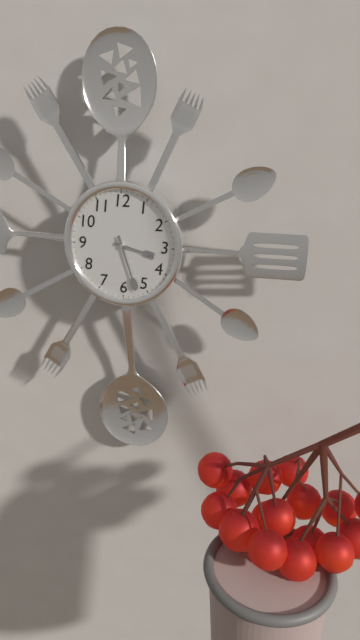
3,27
